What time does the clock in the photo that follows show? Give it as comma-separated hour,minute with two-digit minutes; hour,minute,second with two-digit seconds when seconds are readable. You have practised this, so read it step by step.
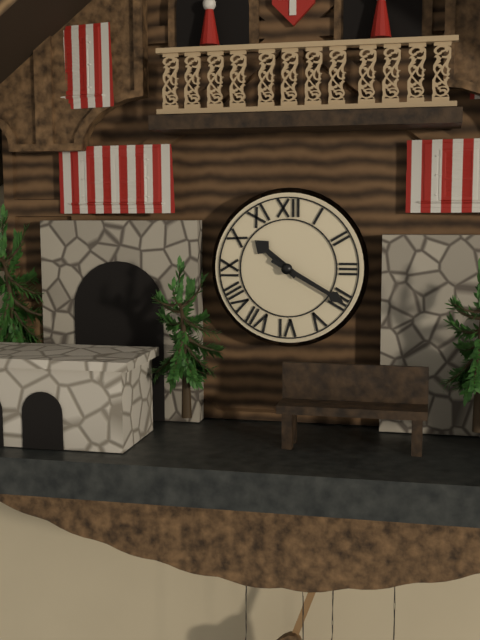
10,20
